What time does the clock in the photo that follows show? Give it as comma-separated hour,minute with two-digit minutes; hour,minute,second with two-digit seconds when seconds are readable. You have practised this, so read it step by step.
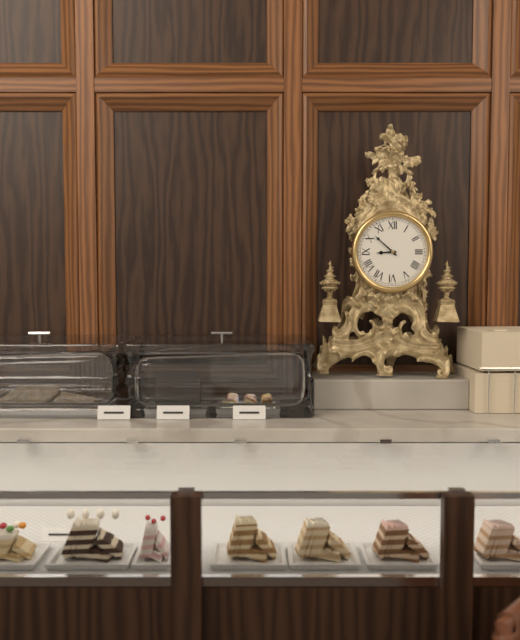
8,52
